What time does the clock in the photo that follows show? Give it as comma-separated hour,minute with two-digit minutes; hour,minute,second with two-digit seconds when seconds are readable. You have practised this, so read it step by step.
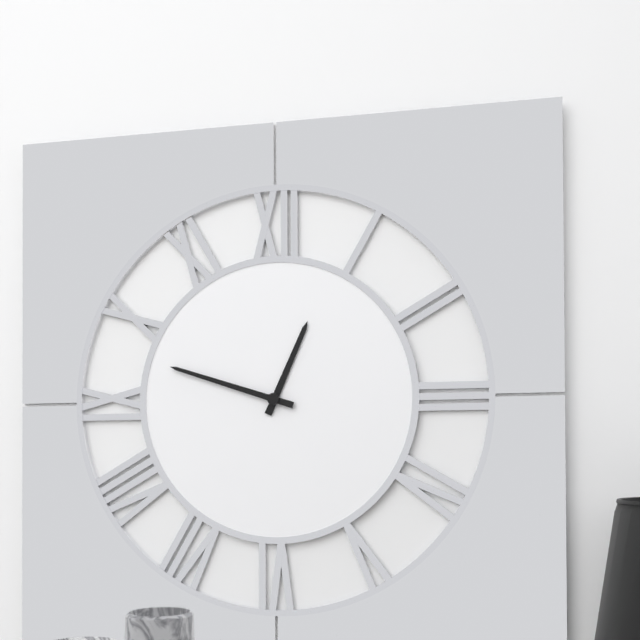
12,48
